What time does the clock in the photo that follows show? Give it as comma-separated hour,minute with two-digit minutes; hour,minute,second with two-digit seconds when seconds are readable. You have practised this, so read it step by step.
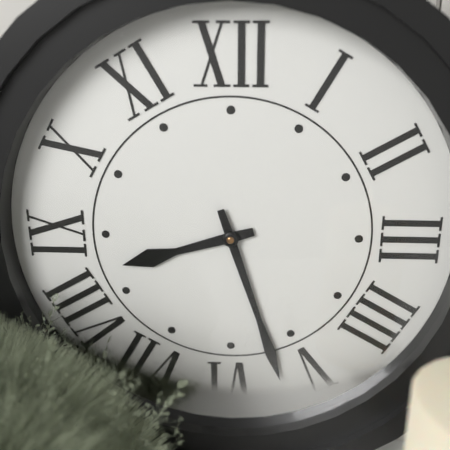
8,27
